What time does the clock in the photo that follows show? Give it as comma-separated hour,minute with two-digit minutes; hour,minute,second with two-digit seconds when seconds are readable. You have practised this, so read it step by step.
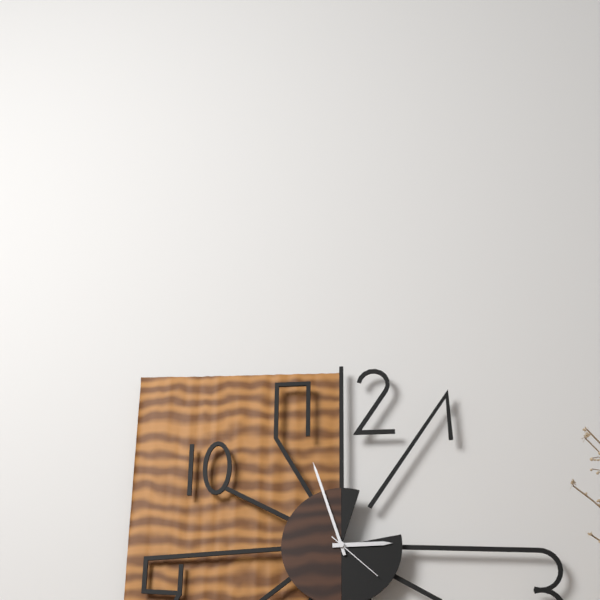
2,57,22
